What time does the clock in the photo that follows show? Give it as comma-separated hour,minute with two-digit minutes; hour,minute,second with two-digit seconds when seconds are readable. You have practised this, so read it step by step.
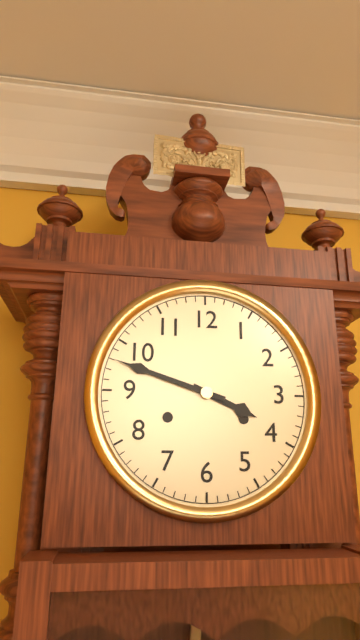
3,48
